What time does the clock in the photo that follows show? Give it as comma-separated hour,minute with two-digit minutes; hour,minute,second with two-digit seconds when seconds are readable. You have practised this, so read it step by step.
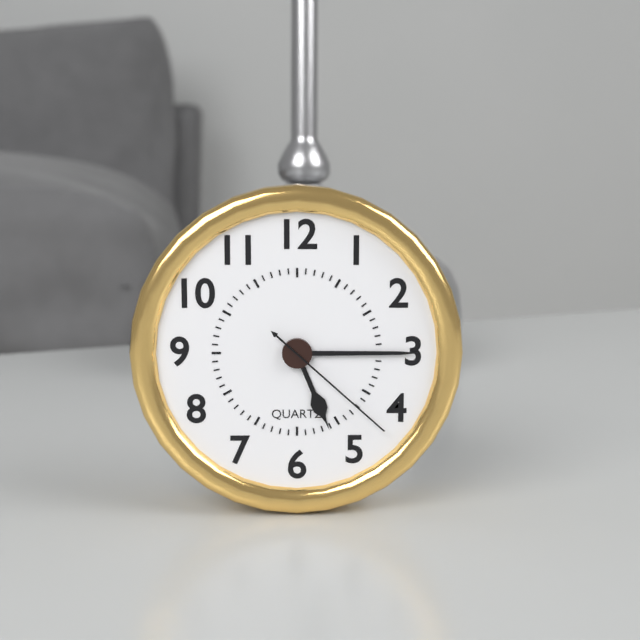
5,15,22
